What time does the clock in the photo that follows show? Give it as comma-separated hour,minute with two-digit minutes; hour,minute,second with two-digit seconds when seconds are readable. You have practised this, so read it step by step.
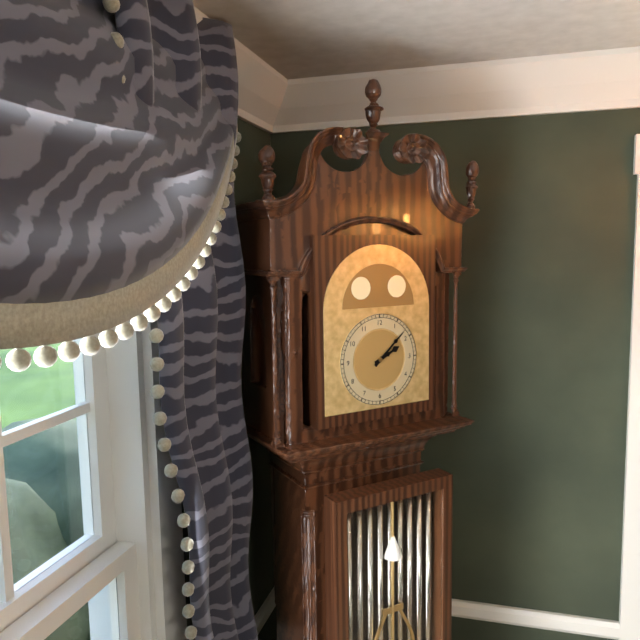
2,08
